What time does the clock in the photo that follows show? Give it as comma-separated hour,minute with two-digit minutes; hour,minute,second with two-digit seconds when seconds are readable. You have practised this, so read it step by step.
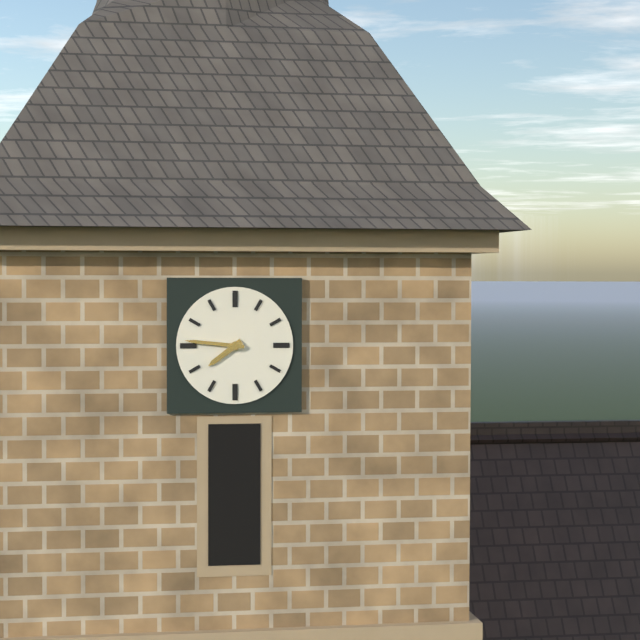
7,46
